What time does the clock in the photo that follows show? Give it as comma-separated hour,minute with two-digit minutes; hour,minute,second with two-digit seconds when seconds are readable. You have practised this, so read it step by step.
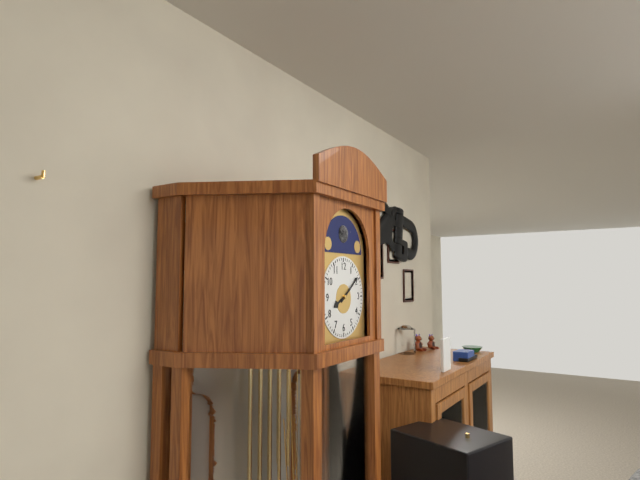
8,09
